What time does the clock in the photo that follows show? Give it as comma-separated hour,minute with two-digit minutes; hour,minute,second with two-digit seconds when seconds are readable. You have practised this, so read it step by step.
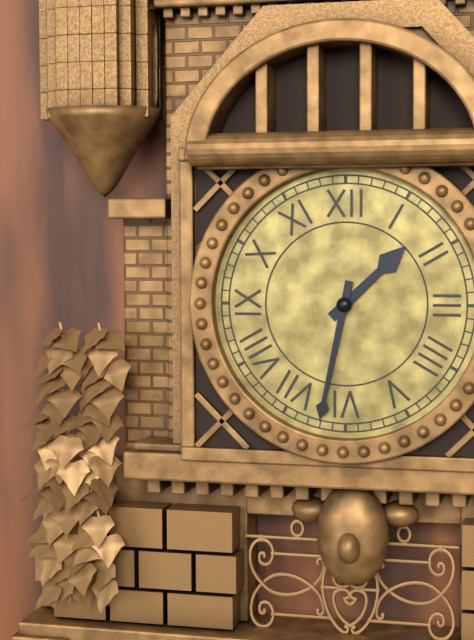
1,32
